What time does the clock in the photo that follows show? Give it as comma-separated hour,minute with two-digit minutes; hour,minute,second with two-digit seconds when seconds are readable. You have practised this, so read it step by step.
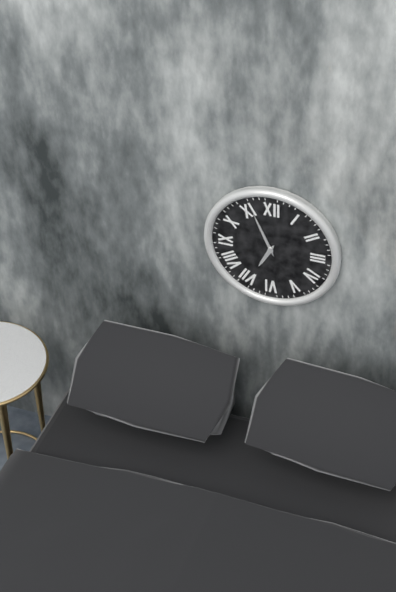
6,56
